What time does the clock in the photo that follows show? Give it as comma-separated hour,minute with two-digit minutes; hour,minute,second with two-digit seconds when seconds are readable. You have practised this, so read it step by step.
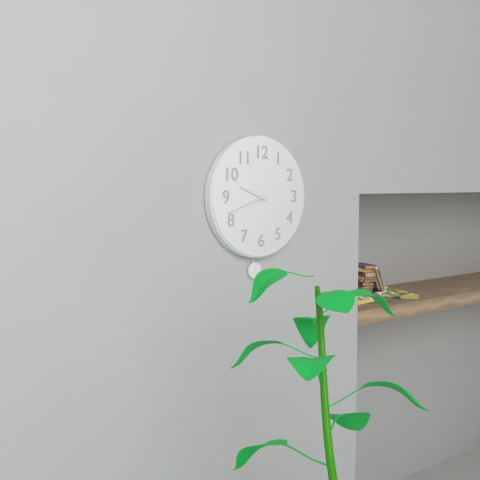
9,42
